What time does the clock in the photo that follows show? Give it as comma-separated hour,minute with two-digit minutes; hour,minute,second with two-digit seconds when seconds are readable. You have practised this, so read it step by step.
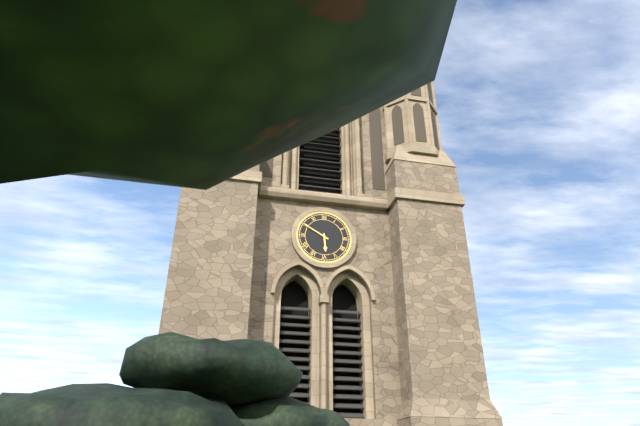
5,50
